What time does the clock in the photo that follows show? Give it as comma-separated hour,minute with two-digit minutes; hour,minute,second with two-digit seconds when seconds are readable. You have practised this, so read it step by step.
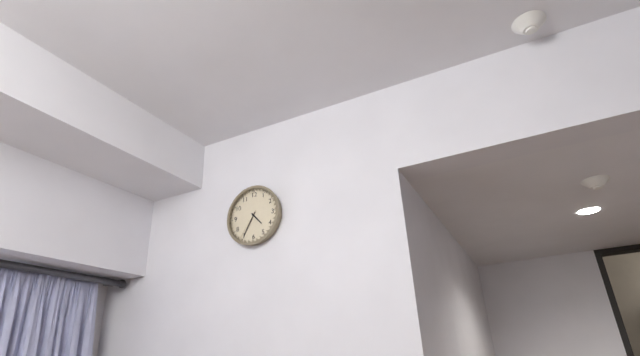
4,35
